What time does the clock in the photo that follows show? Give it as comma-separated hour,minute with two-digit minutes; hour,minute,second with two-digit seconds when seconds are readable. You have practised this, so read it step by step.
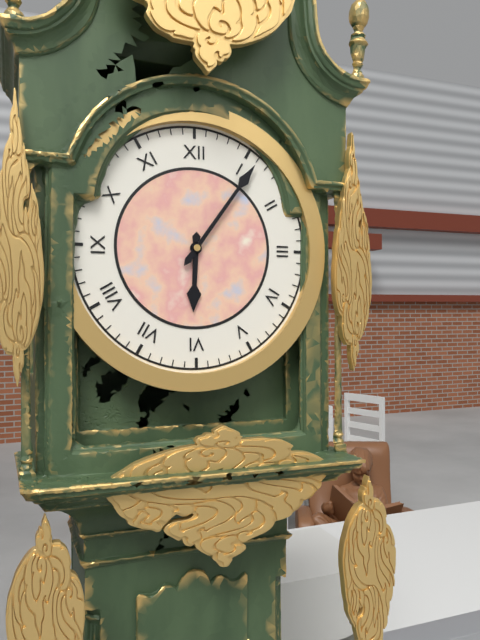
6,06
